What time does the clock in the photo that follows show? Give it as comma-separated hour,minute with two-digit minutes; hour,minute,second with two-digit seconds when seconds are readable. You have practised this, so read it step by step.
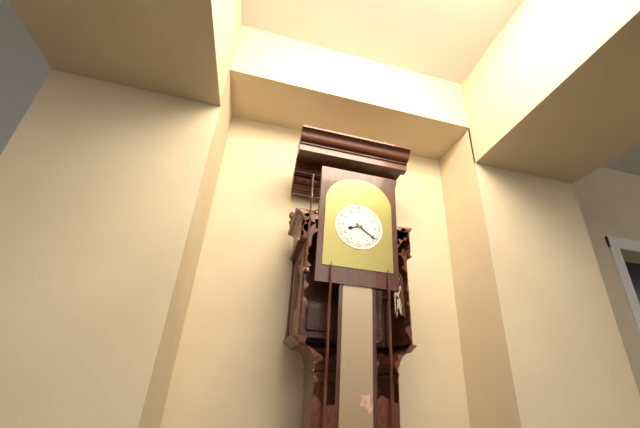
8,21
